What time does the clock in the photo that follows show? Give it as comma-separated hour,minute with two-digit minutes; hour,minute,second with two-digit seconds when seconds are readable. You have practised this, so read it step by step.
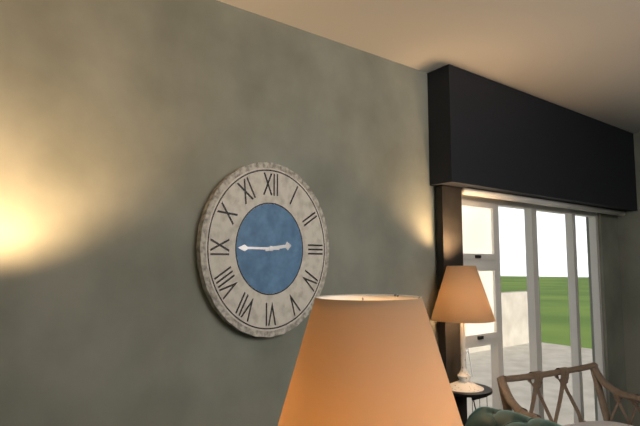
2,45
